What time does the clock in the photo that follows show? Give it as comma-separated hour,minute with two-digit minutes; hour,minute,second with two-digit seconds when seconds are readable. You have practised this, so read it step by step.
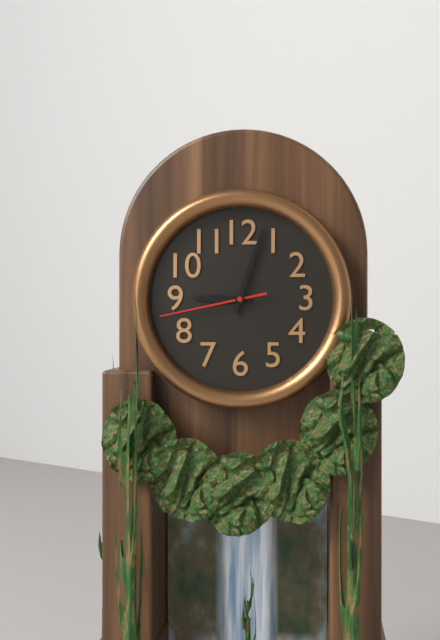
9,03,43
